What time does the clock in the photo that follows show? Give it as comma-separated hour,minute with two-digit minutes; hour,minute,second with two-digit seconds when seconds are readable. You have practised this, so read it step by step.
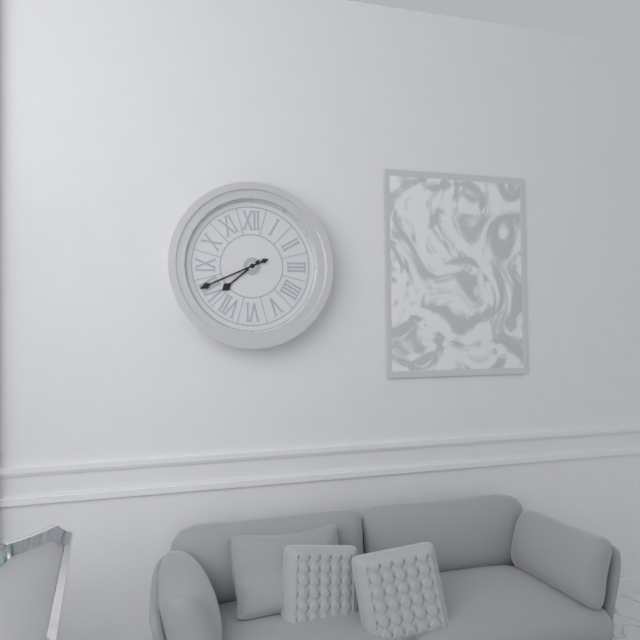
7,41
